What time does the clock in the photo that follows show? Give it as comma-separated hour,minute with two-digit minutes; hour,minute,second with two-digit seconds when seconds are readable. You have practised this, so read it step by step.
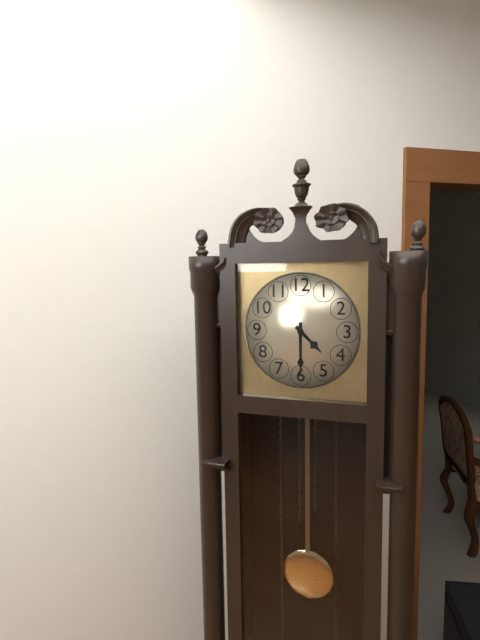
4,30
